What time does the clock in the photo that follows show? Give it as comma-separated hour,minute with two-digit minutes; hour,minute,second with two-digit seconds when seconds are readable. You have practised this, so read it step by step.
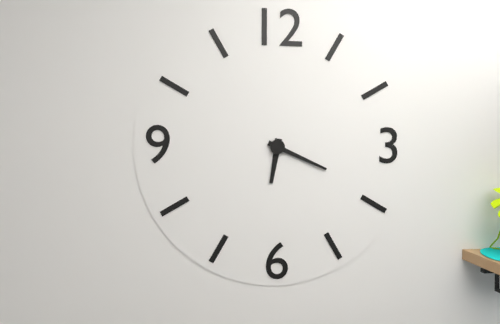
6,19
